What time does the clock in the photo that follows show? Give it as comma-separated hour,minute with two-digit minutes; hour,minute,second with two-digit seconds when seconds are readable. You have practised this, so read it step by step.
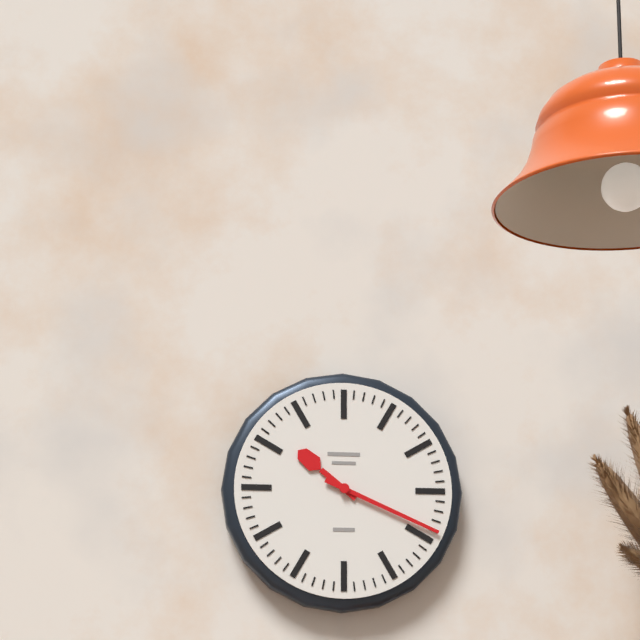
10,19
